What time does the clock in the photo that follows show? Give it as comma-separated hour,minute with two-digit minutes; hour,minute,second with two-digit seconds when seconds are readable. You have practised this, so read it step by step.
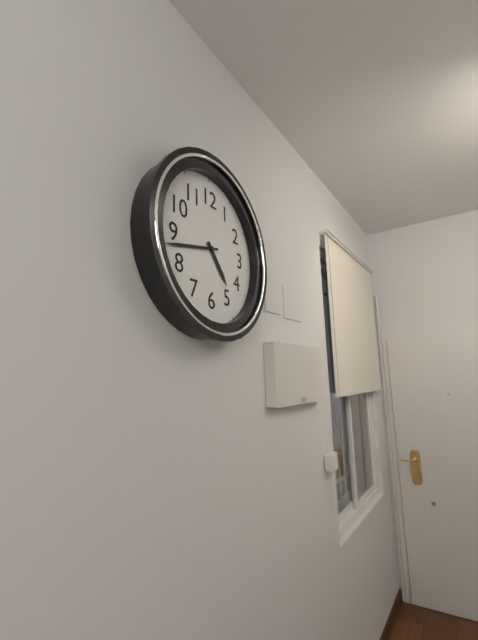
4,43
